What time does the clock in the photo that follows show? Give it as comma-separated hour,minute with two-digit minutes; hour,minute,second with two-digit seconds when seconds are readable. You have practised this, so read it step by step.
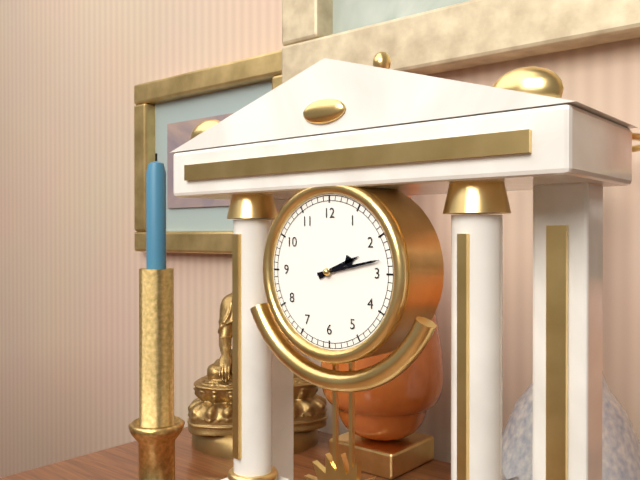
2,13
